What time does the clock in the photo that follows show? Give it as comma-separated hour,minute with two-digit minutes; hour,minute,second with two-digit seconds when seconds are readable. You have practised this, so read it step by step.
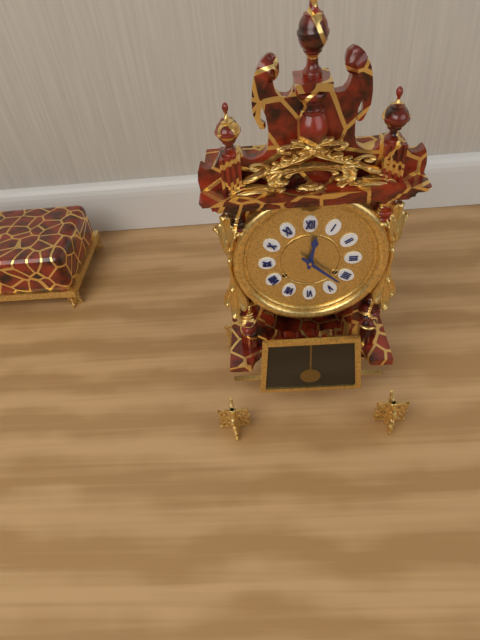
12,22
